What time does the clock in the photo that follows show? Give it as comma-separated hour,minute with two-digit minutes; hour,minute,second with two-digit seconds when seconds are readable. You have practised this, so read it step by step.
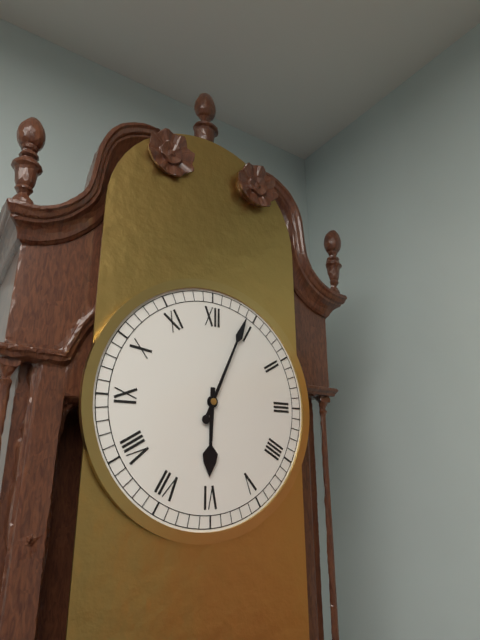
6,04
